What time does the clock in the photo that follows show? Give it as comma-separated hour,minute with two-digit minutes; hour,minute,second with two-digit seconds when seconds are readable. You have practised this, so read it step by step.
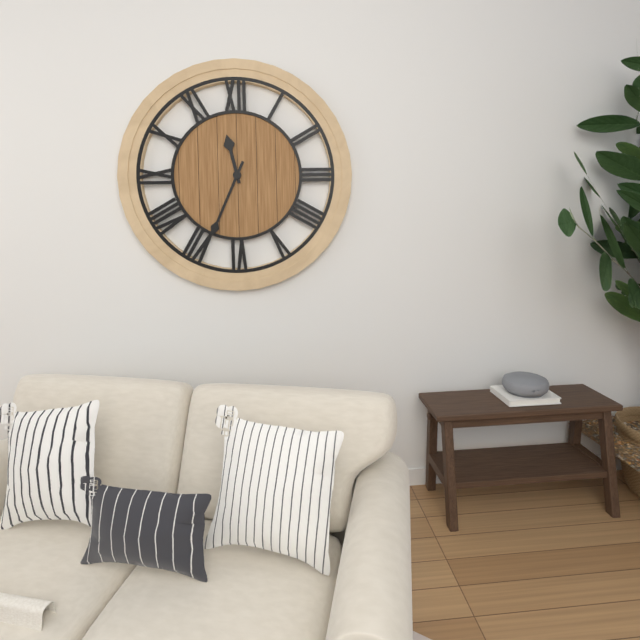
11,34
